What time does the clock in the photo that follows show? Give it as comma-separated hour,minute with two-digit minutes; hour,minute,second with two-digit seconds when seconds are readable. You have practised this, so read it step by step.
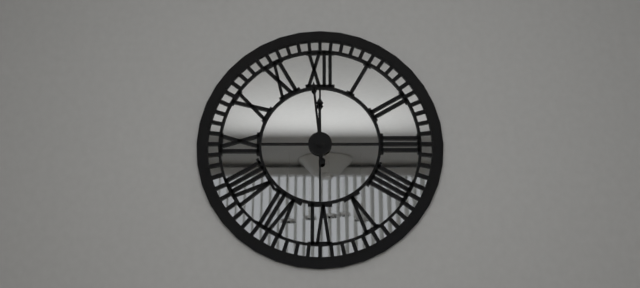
11,59
